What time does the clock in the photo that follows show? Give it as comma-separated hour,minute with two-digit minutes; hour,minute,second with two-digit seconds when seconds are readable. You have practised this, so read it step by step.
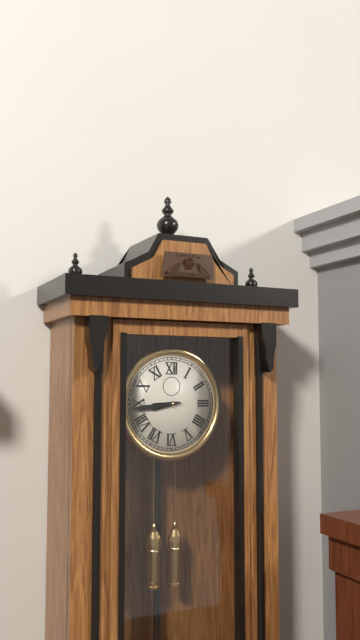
8,44
